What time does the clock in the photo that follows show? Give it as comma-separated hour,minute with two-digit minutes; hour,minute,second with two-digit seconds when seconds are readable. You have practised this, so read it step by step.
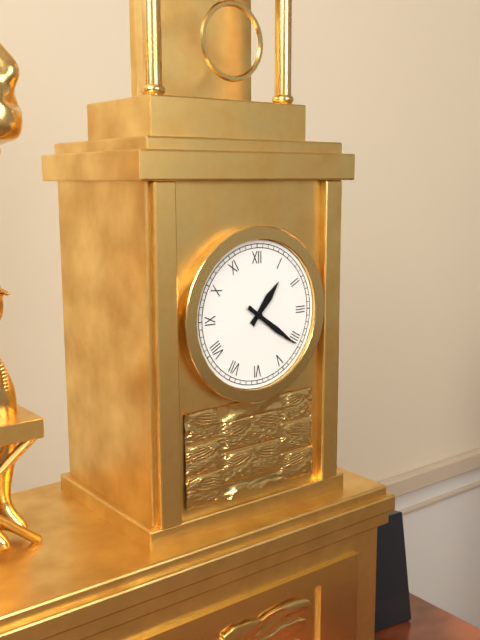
1,21
